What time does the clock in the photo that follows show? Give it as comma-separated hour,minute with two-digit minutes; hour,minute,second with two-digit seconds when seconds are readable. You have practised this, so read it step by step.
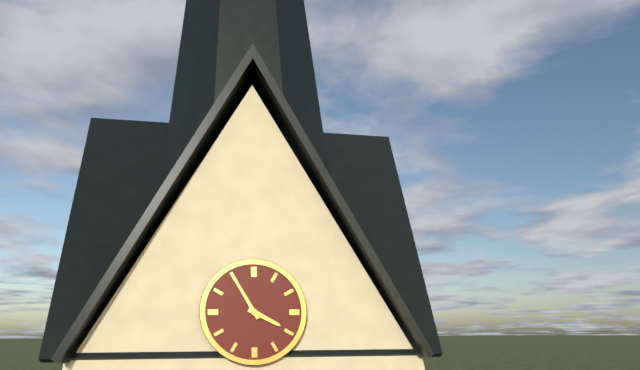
3,55
